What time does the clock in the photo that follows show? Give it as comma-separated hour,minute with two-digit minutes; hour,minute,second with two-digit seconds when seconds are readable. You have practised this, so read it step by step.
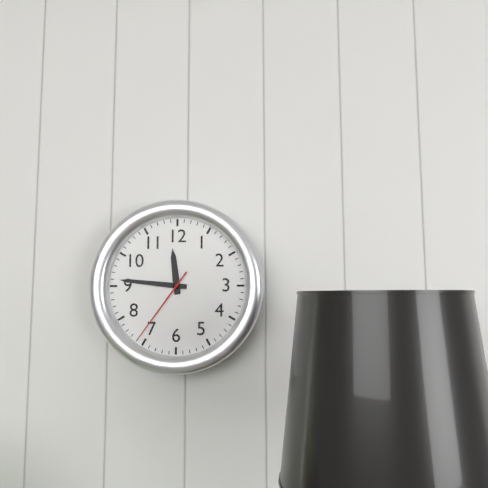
11,46,36
